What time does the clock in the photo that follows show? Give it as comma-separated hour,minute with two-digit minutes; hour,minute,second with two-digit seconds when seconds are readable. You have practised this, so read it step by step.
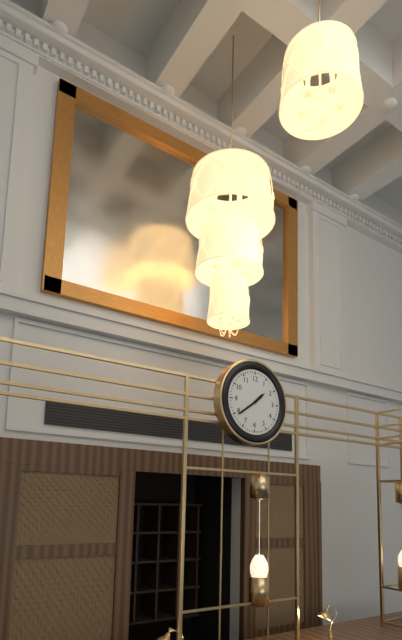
1,39
